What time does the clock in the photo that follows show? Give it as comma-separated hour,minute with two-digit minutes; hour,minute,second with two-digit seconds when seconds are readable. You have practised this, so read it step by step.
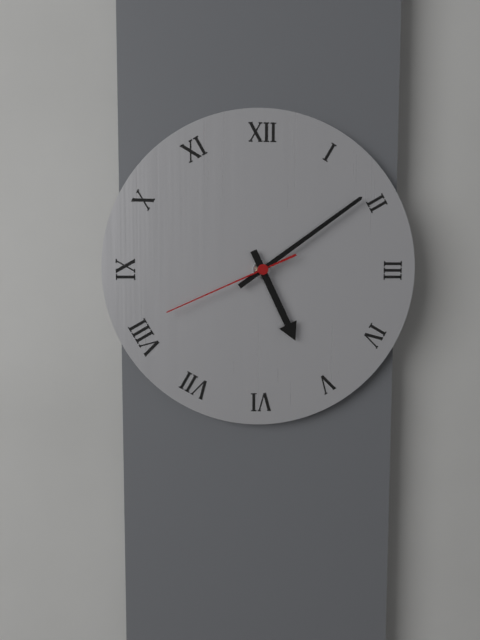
5,09,41
